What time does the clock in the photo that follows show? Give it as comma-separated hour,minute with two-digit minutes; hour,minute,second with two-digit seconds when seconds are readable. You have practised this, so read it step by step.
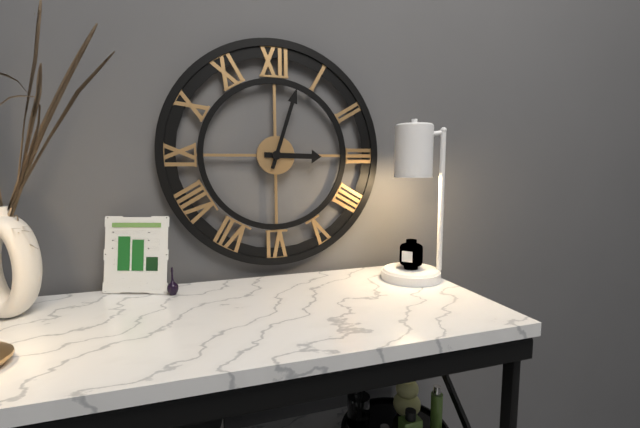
3,03
